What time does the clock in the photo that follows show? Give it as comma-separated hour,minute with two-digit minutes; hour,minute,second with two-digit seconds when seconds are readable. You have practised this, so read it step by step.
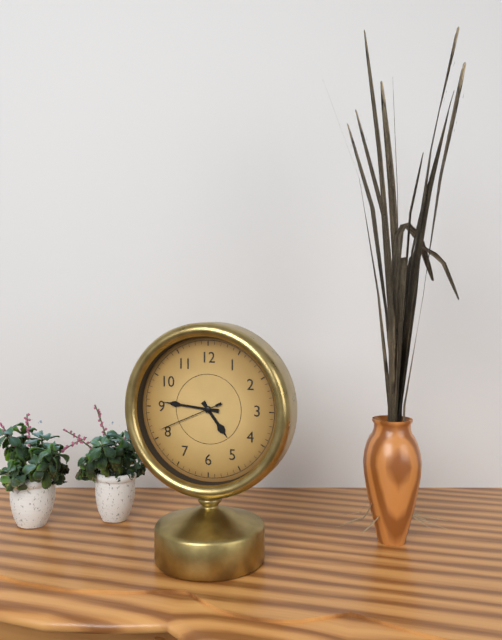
4,46,41
